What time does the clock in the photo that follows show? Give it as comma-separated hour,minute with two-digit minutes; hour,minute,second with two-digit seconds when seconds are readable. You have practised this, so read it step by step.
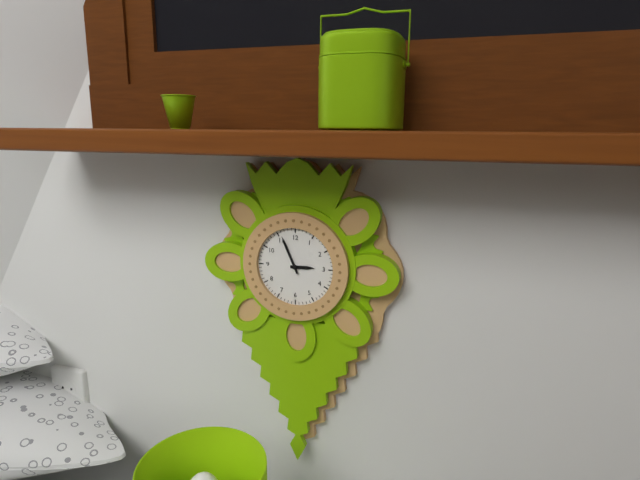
2,56
